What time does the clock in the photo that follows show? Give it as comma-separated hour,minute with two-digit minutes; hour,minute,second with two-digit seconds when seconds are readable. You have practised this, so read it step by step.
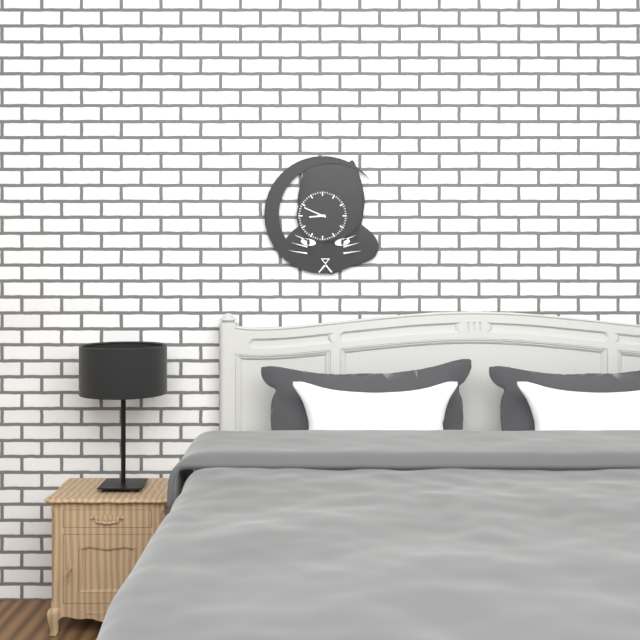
8,49
